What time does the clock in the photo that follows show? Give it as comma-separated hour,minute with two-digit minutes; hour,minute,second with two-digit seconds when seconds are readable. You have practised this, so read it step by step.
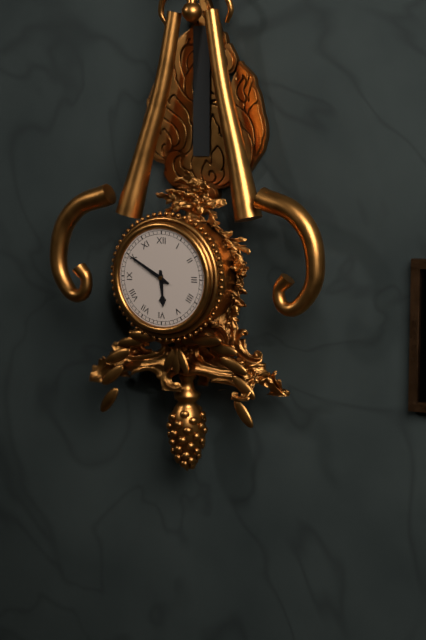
5,50
